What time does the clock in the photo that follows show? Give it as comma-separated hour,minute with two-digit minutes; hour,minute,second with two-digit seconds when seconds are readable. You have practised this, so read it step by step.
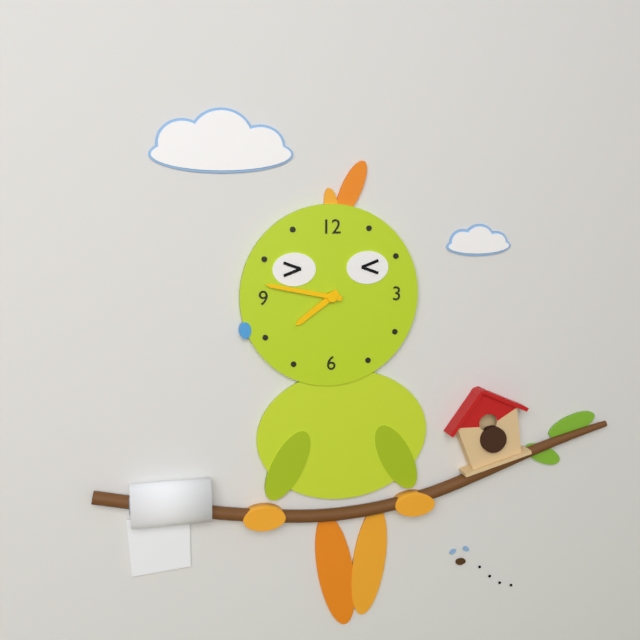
7,47
